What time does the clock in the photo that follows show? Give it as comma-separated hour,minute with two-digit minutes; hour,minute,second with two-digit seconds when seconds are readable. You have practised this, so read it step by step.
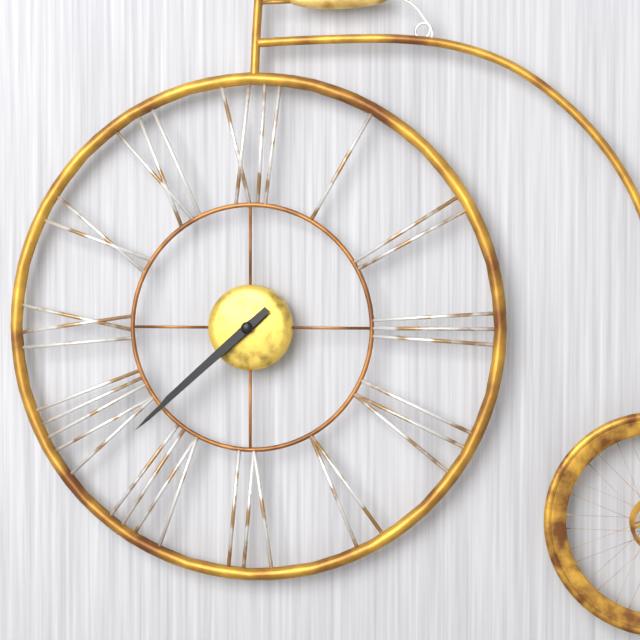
7,38
